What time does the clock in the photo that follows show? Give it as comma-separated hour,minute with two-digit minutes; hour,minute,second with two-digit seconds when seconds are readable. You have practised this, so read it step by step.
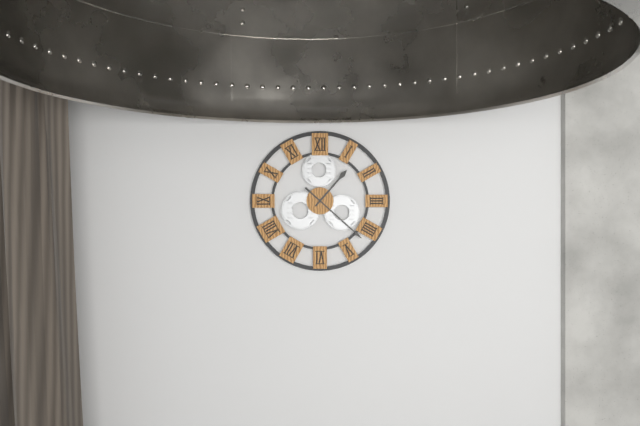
1,22
